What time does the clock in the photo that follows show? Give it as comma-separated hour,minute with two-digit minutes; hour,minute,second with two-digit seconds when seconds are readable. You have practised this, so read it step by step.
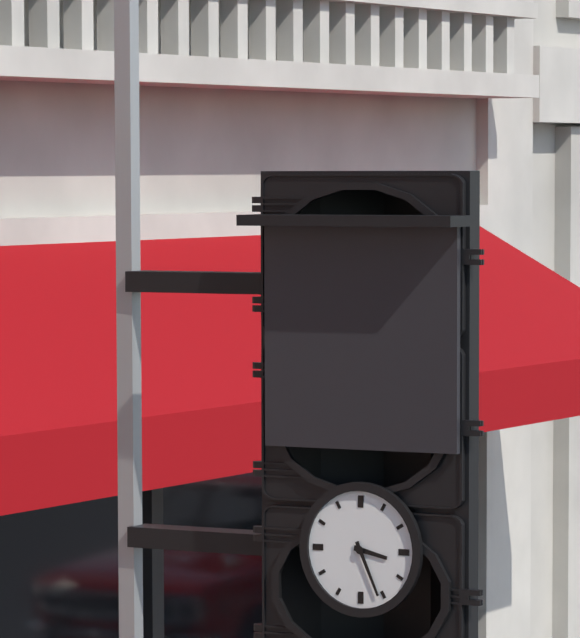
3,26
